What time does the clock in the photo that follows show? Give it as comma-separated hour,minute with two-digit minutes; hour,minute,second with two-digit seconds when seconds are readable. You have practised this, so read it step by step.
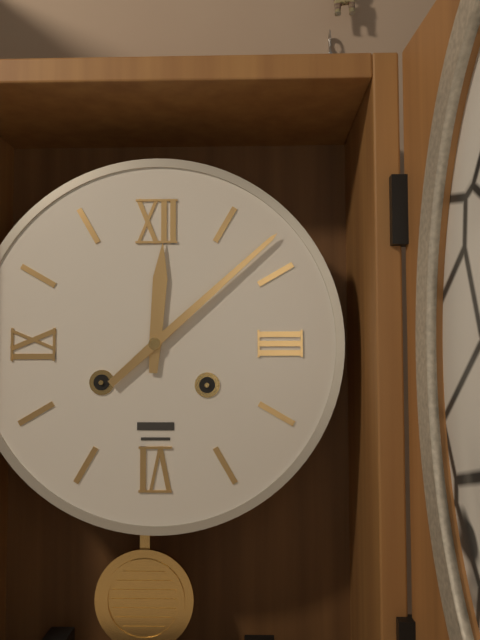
12,08
